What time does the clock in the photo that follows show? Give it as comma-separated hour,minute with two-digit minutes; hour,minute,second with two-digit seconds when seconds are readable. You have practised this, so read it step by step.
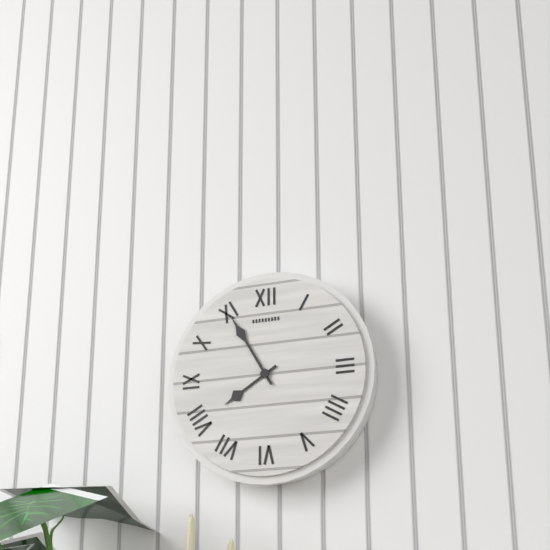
7,55
